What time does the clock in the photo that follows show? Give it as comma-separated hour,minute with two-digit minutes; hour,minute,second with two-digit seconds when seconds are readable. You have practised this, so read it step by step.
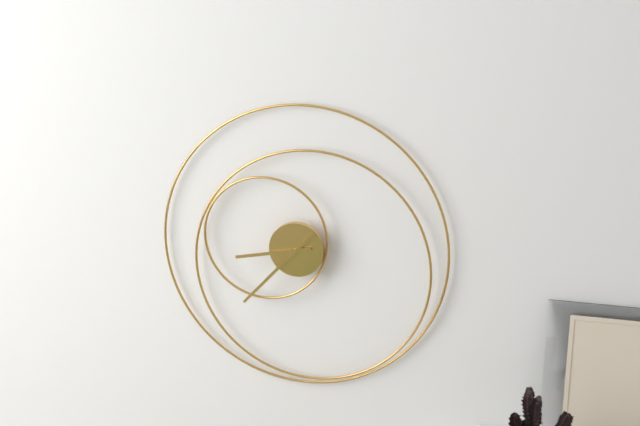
8,37
